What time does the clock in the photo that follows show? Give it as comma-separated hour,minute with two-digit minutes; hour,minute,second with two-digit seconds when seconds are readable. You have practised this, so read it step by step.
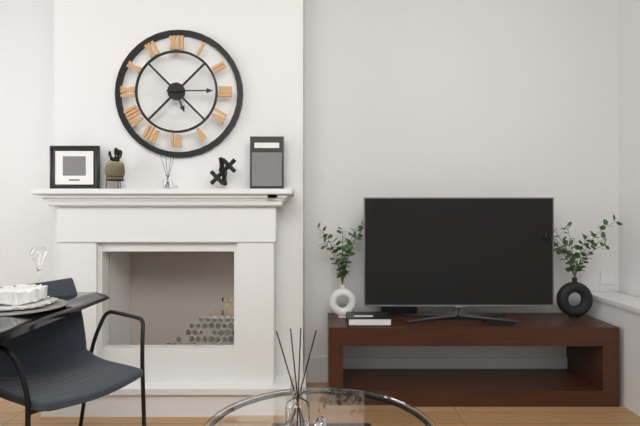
5,15
